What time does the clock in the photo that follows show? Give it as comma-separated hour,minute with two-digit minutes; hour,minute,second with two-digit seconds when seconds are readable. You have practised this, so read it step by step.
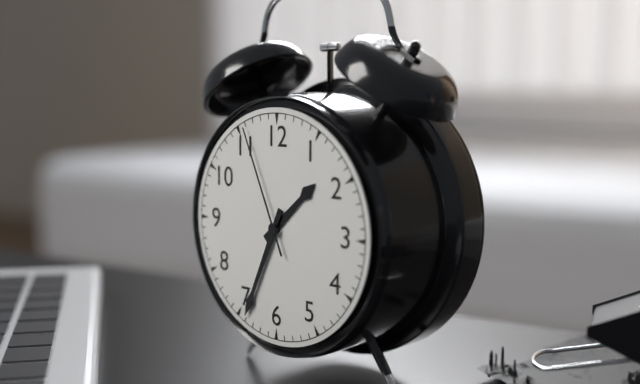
1,34,56
